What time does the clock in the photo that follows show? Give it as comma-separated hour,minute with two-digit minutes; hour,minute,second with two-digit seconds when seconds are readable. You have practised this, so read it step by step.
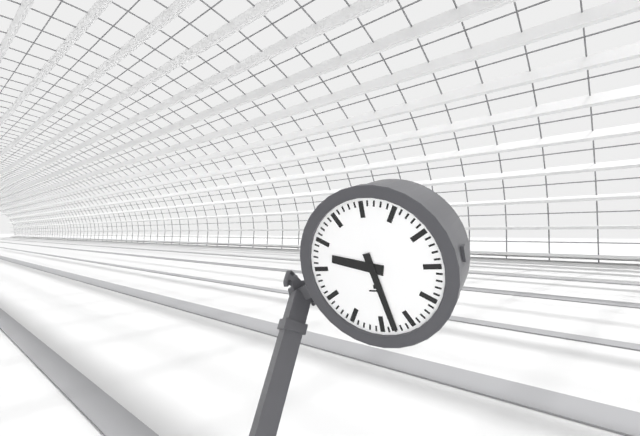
9,28
